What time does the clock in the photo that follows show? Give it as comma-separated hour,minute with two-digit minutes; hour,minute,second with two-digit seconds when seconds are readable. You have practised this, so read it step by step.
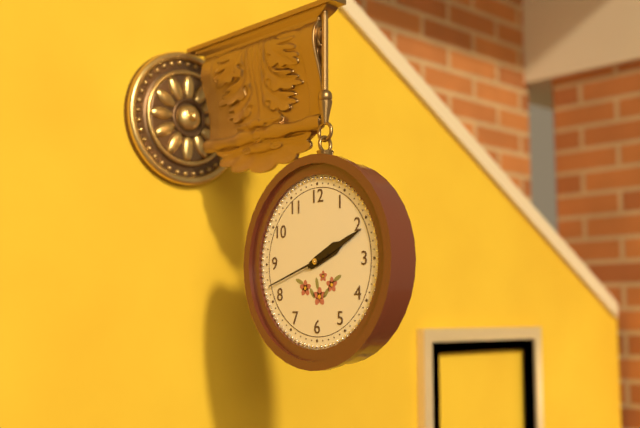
2,11,42
